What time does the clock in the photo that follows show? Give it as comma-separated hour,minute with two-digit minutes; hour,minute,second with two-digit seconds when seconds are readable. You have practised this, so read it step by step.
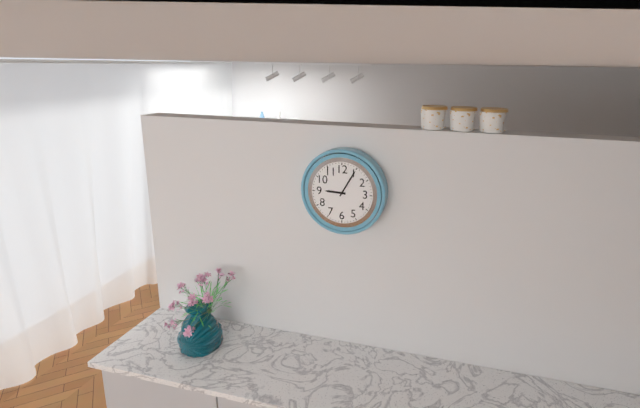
9,05
